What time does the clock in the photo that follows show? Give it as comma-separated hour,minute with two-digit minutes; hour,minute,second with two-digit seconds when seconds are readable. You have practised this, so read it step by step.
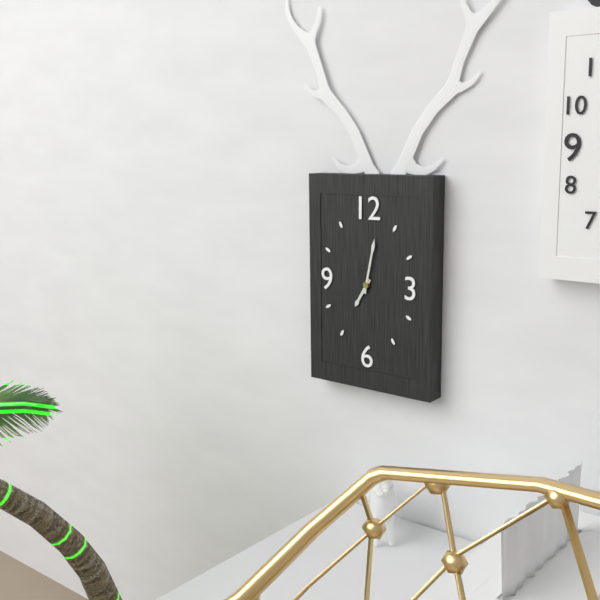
7,02
